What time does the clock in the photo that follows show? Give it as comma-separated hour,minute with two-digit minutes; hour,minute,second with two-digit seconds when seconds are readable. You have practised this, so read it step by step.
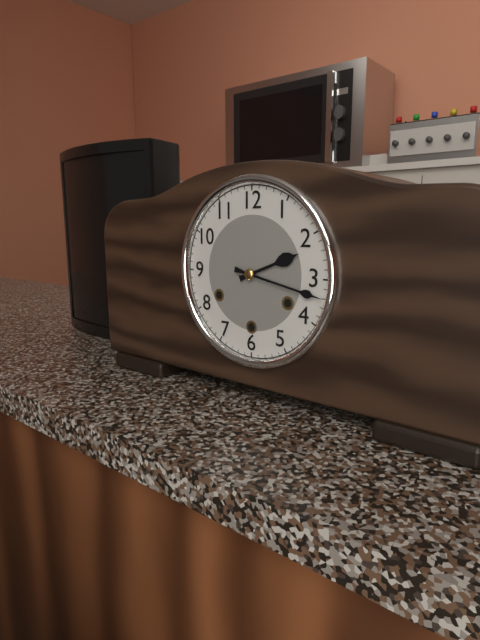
2,17
